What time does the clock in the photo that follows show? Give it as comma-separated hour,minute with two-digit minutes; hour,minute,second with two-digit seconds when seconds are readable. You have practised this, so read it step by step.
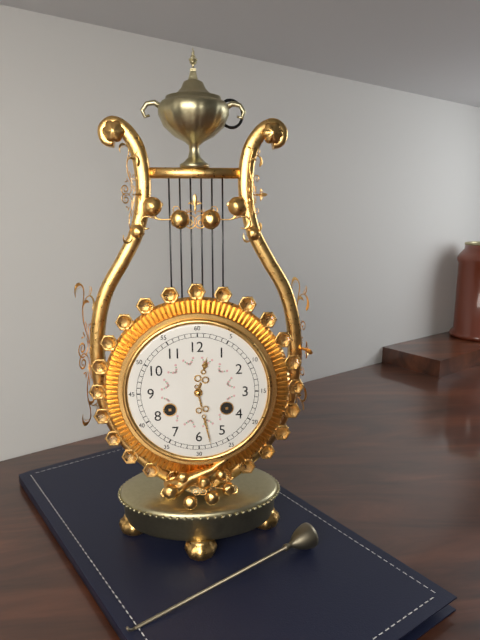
12,28
